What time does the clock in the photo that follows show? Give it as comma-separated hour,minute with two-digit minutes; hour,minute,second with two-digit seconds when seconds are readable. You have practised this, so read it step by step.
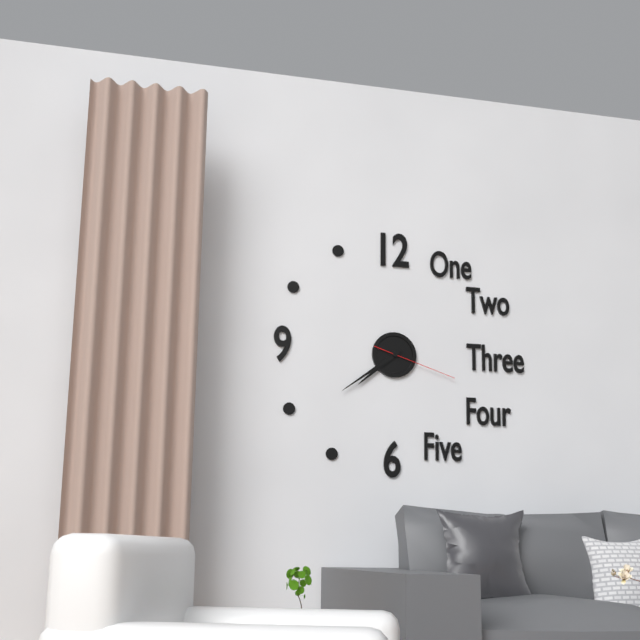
7,39,18
